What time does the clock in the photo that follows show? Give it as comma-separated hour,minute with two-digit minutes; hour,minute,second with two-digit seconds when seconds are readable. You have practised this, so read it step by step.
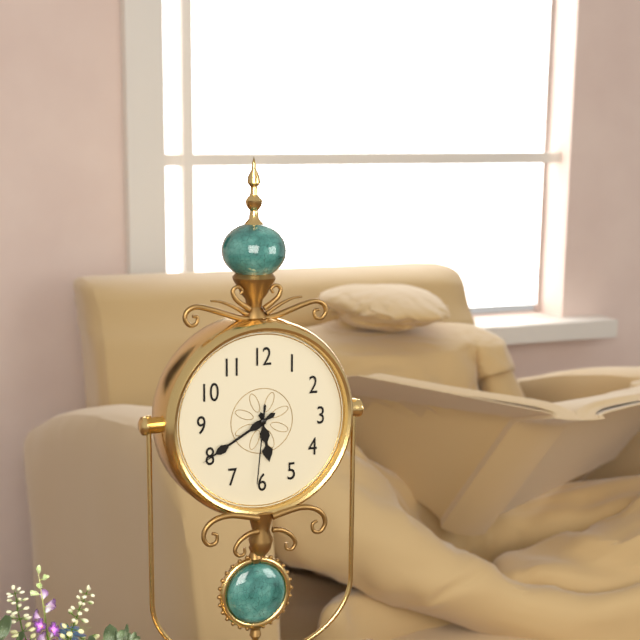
5,40,31
